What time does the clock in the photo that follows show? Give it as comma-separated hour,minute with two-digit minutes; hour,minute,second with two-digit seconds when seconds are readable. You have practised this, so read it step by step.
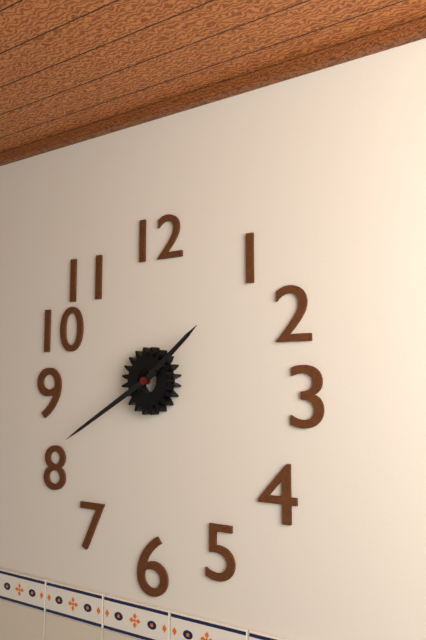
1,40
